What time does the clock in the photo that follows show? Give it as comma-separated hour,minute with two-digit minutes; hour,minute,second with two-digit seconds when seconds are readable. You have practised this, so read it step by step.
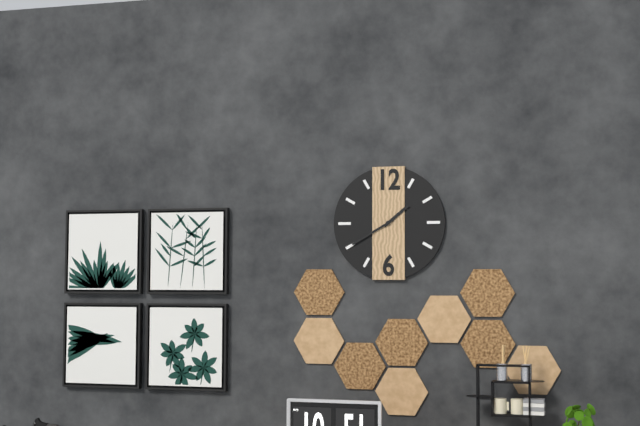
1,40
